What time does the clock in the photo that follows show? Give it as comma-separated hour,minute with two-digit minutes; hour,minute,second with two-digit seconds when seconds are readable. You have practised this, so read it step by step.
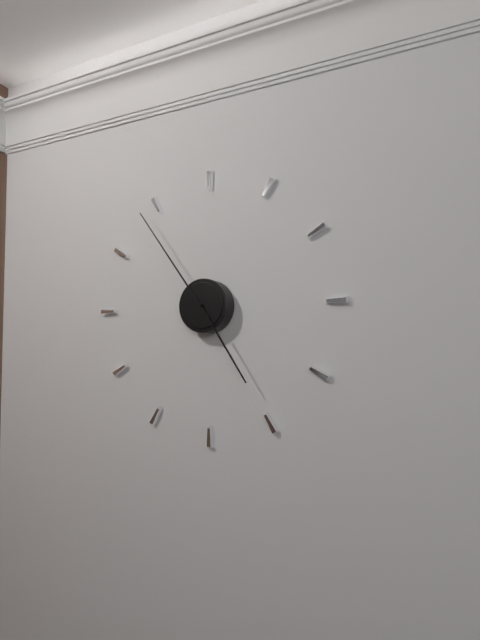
4,54
